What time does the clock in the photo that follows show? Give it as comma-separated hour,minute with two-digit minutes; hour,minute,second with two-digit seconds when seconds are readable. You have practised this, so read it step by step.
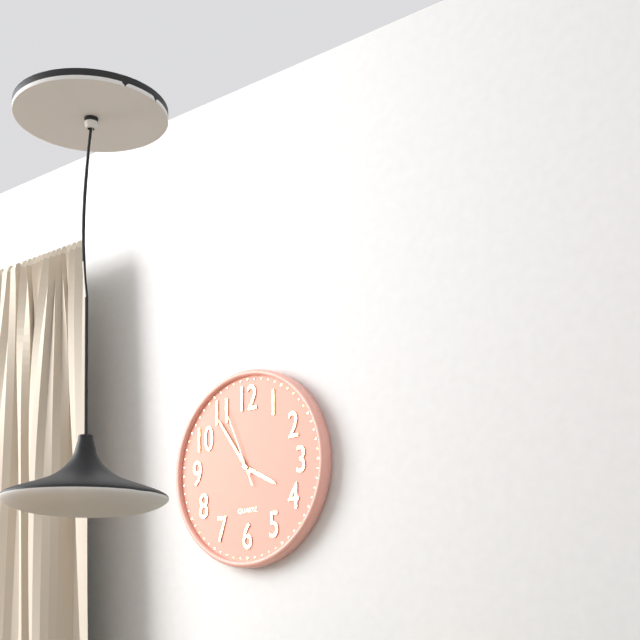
3,54,56
